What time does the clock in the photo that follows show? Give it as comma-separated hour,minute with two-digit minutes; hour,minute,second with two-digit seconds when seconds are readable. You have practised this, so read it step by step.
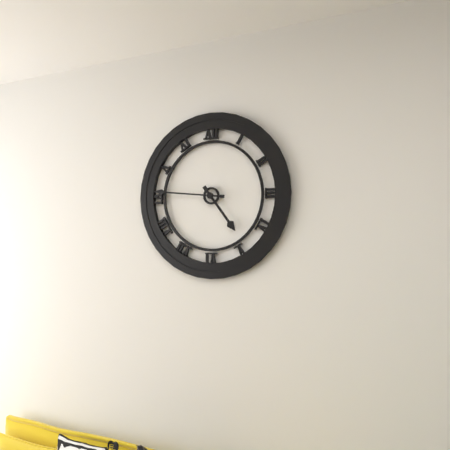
4,46
